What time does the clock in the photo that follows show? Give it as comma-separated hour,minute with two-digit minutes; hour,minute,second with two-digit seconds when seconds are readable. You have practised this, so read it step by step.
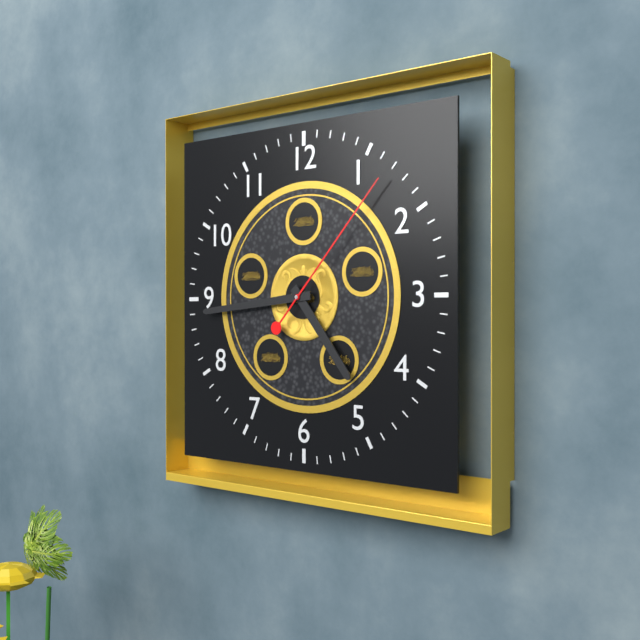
4,44,07
